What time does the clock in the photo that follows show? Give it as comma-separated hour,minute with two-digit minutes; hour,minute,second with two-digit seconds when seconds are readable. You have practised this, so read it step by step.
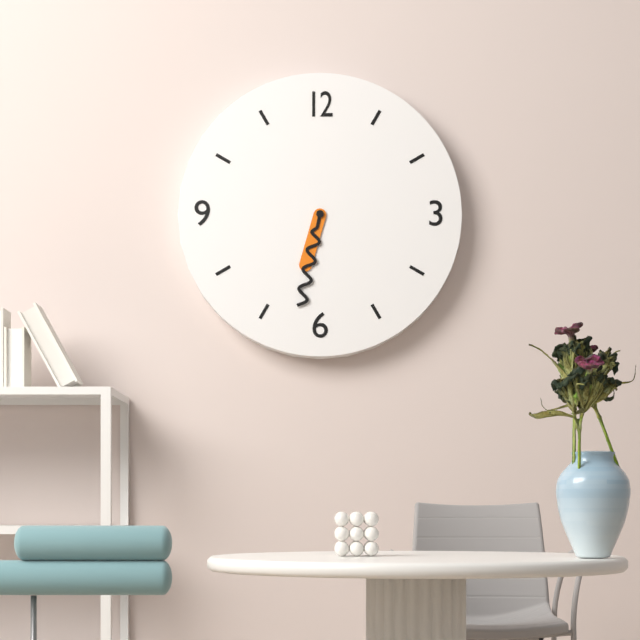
6,32
